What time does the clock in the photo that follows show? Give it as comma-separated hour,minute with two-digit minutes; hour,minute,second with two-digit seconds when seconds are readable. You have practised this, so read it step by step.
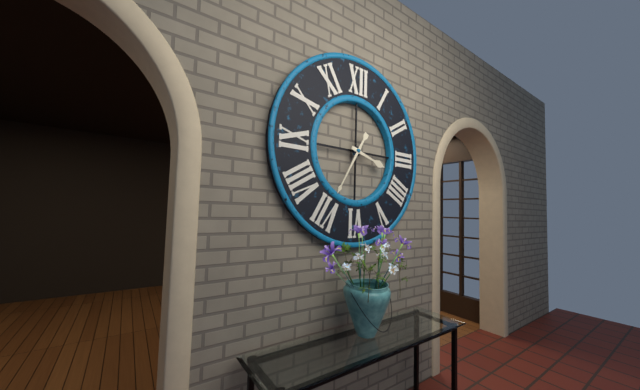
3,35
